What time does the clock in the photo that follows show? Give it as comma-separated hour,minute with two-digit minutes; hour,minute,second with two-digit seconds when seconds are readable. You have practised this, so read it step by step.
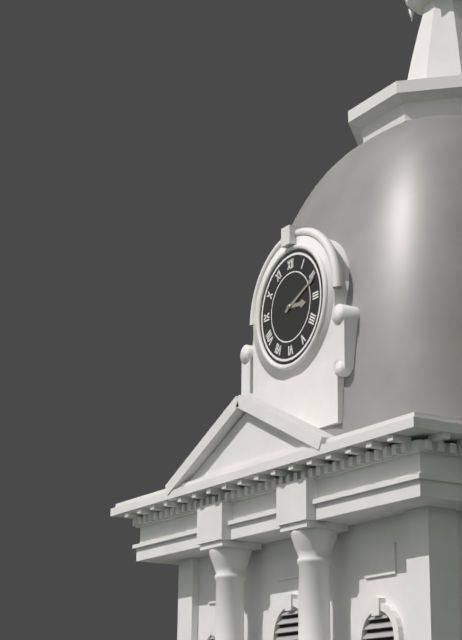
3,11
